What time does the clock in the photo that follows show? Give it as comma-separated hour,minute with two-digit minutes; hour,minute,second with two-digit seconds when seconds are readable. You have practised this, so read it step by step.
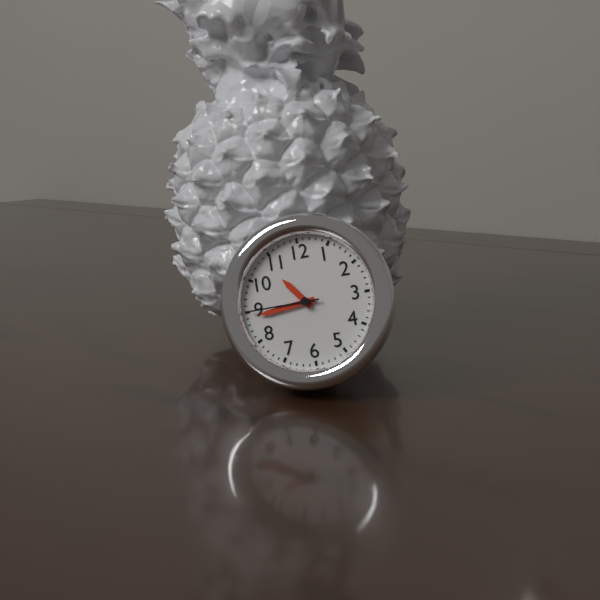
10,44,45
